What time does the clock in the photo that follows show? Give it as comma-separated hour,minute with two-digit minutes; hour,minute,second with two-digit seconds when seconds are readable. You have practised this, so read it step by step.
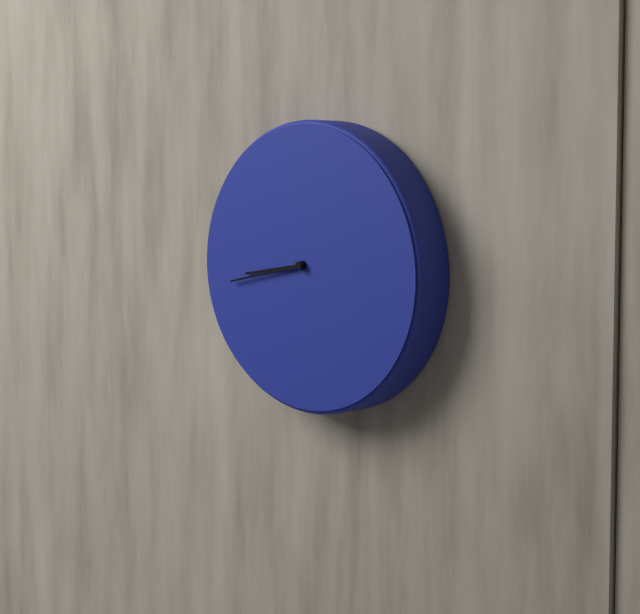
8,43
